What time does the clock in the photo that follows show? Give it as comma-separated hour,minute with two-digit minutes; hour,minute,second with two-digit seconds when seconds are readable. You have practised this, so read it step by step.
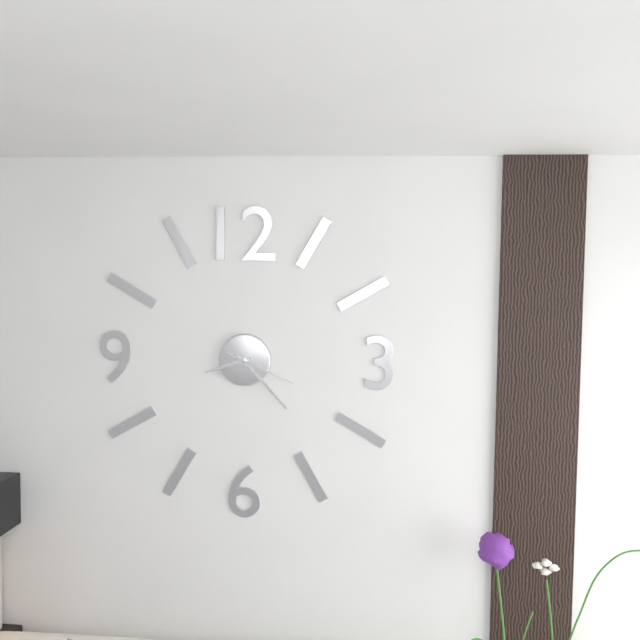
8,23,19
